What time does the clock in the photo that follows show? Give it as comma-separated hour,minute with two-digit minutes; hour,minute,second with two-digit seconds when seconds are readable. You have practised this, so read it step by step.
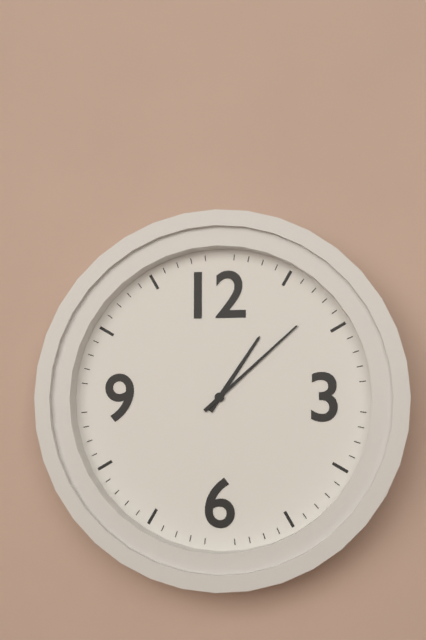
1,08
